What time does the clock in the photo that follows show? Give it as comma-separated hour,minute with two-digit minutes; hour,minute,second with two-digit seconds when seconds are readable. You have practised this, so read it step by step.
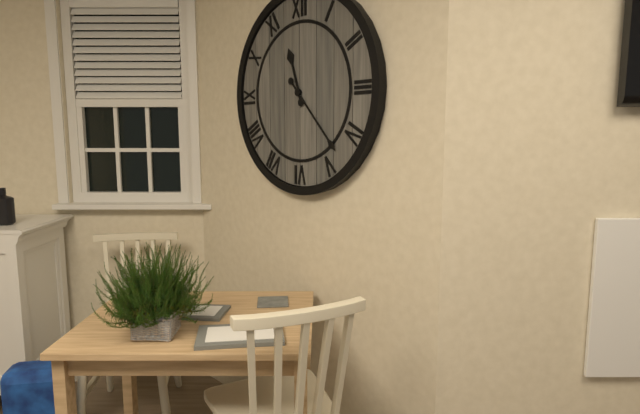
11,23
